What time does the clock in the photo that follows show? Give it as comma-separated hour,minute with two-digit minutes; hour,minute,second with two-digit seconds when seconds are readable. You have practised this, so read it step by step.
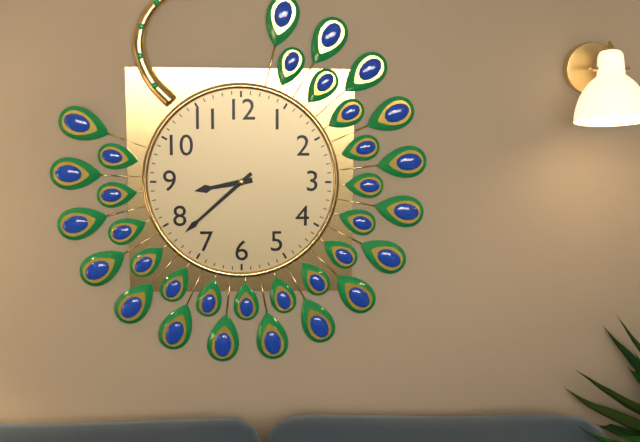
8,38
